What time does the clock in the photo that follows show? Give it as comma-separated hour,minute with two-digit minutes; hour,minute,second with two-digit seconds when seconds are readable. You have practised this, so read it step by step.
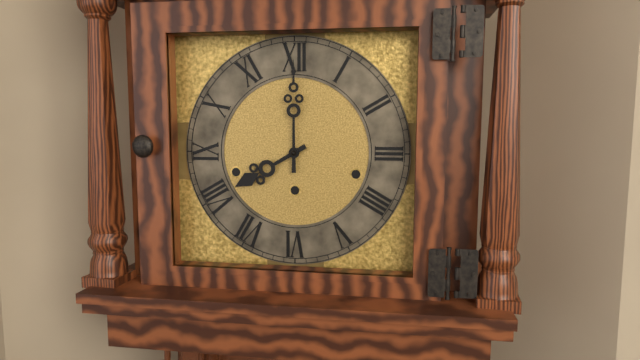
8,00
